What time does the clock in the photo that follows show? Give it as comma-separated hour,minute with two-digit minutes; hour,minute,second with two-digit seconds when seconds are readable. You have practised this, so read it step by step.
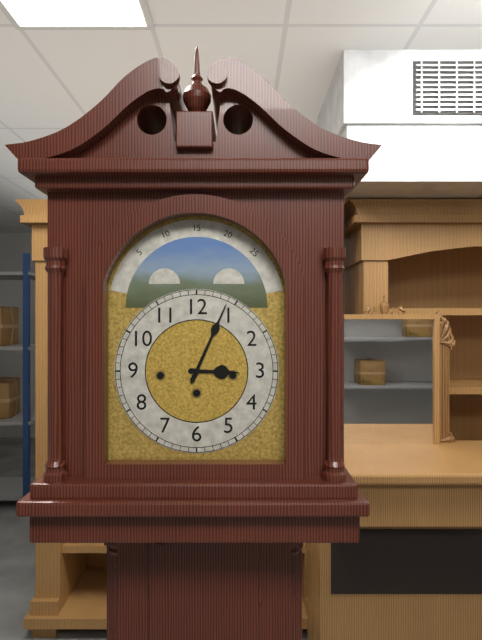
3,04
